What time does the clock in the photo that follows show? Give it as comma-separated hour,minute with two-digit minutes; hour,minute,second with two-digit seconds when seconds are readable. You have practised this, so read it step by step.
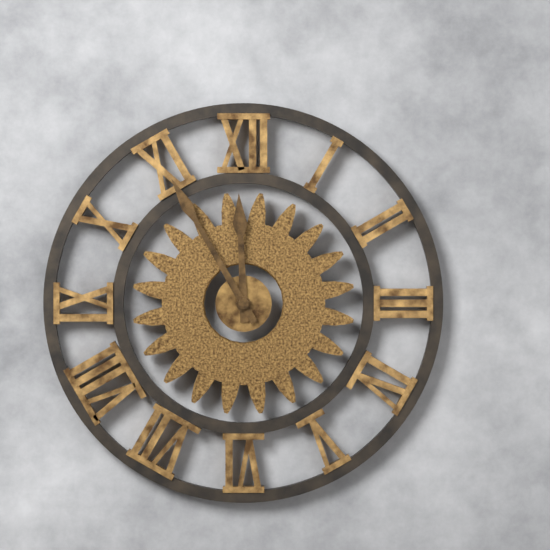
11,55
